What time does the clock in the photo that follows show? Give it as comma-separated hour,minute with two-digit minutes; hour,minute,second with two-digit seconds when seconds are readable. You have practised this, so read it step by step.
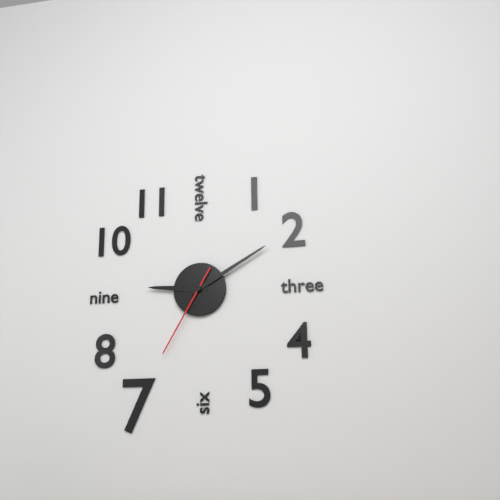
9,10,35
